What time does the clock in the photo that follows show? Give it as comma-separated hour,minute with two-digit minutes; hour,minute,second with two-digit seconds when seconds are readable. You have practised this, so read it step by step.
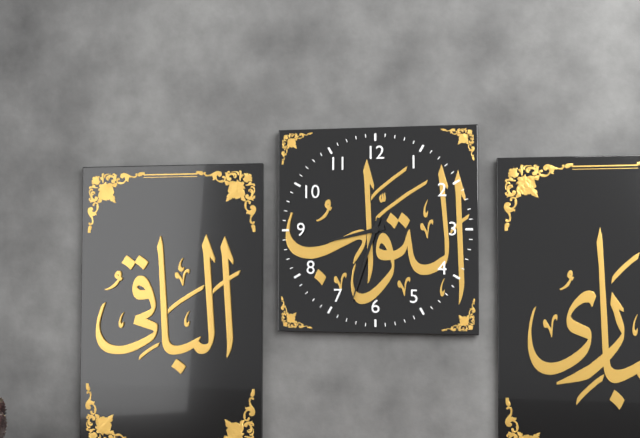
8,33
